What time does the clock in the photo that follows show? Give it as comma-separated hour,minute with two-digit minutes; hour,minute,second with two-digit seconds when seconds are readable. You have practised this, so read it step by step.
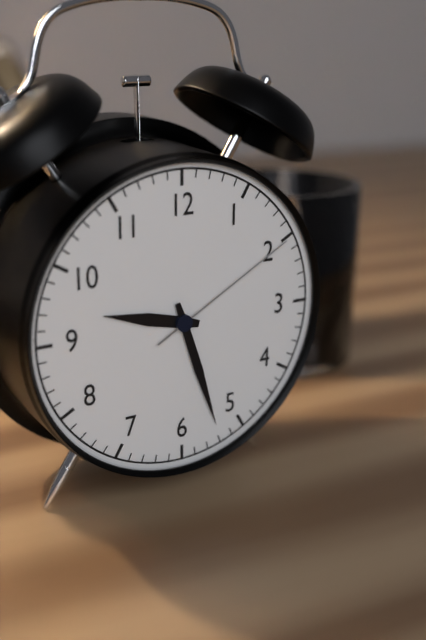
9,27,10
